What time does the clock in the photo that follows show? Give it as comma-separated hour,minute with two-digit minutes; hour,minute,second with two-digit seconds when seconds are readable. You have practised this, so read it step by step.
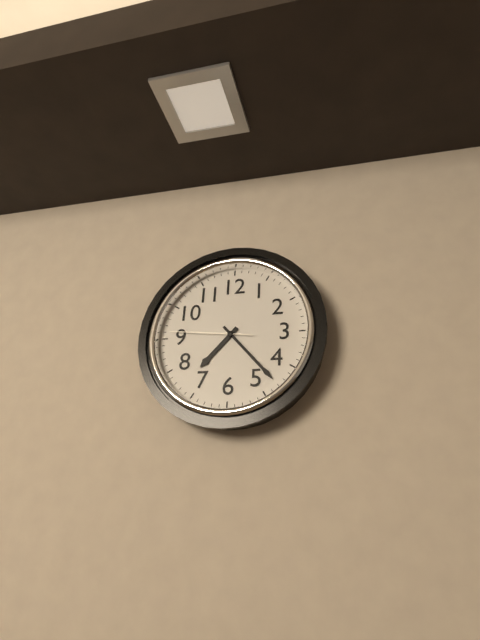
7,23,46
